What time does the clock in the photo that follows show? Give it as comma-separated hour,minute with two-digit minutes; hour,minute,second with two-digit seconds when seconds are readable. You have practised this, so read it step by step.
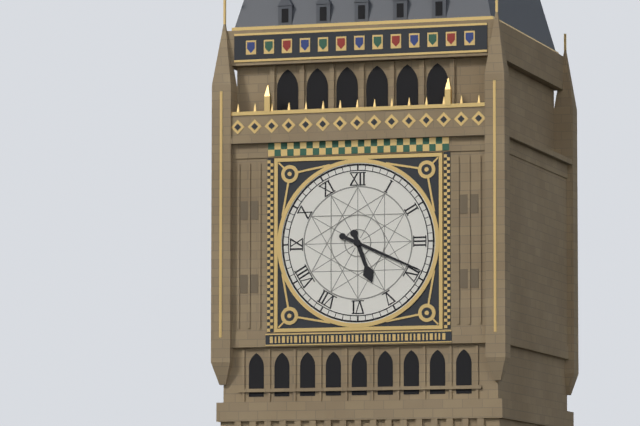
5,19
